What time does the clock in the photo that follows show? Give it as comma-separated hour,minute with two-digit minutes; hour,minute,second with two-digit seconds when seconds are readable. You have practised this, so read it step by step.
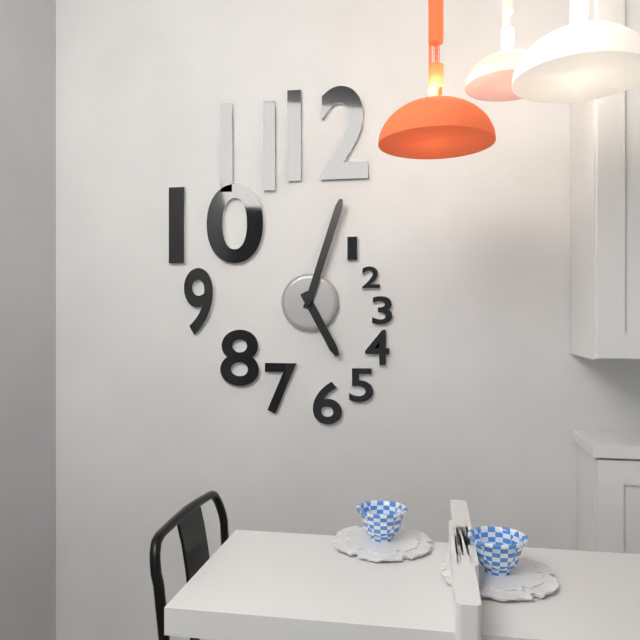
5,03
